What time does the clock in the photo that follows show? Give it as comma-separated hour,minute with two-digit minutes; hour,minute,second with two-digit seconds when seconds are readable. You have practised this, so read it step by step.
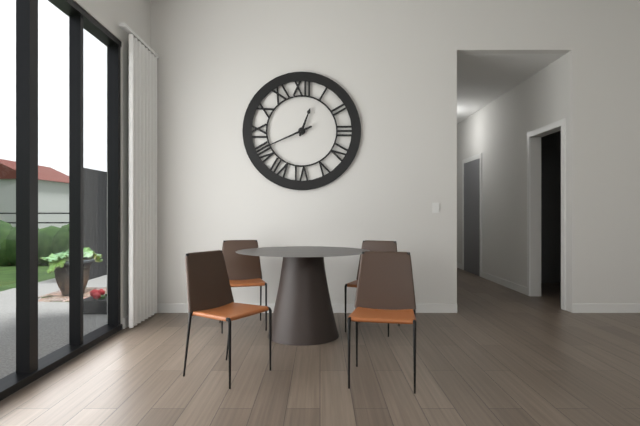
12,41
